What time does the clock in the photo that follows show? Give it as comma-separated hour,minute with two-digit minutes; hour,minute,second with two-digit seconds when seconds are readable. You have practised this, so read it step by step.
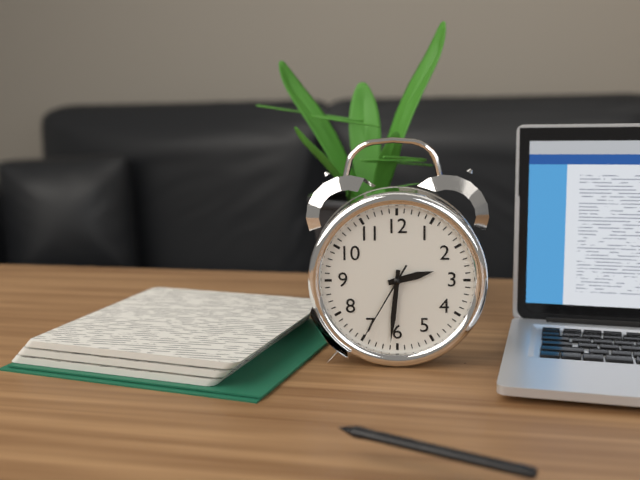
2,31,35
